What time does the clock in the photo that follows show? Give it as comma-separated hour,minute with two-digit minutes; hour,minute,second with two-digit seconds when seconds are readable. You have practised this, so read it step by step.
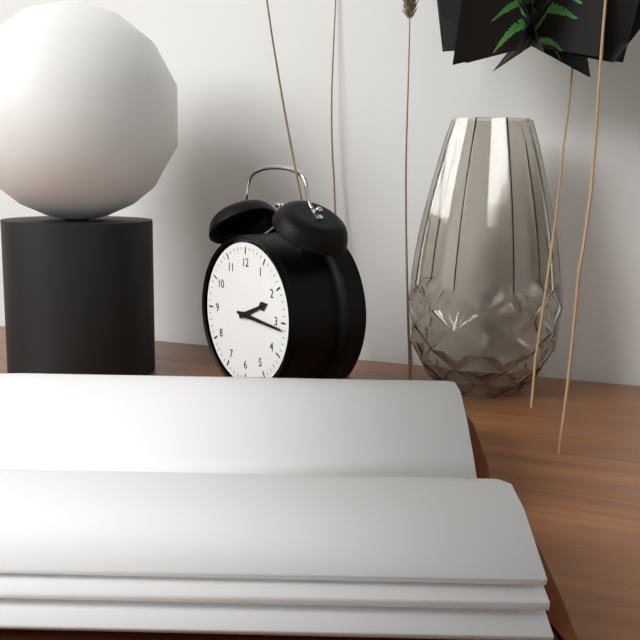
2,16
